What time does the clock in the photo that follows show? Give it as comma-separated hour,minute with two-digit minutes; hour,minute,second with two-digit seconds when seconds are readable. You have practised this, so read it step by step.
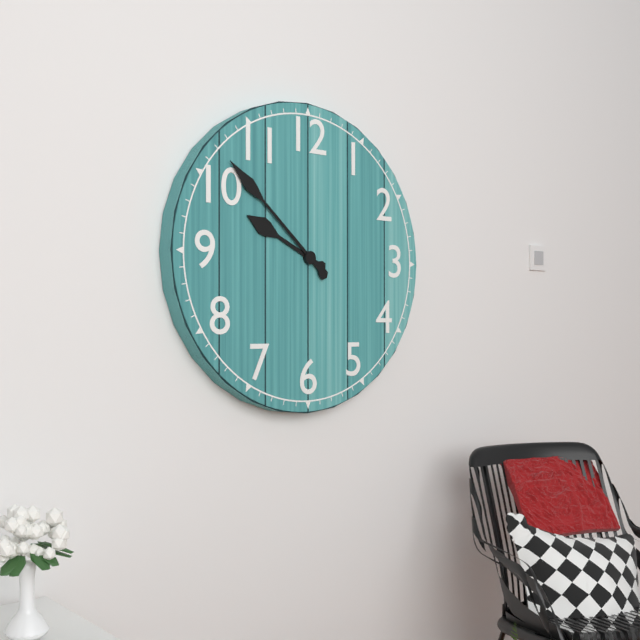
9,52
